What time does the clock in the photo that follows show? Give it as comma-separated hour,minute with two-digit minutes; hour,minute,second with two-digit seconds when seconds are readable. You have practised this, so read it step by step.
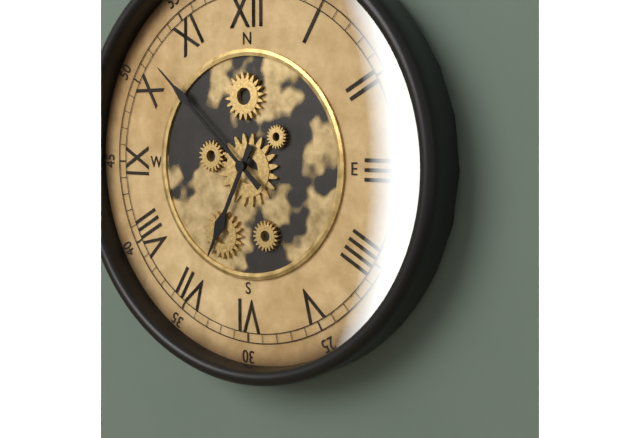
6,52
